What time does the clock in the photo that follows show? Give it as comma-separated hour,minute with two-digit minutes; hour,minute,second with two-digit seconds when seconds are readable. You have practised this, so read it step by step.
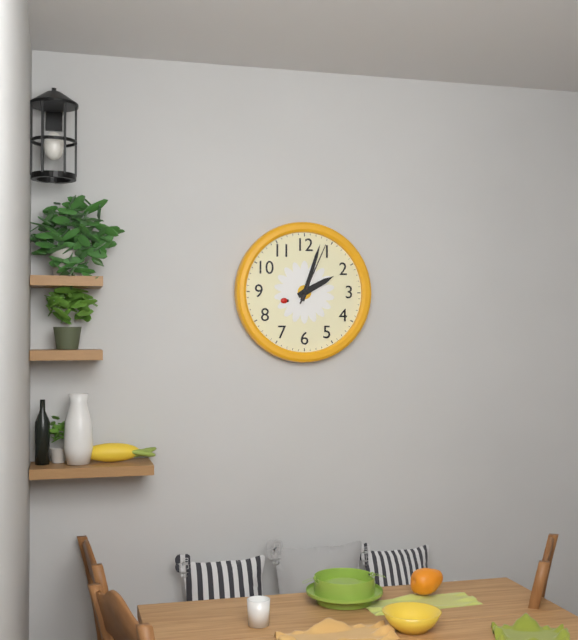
2,03,04
